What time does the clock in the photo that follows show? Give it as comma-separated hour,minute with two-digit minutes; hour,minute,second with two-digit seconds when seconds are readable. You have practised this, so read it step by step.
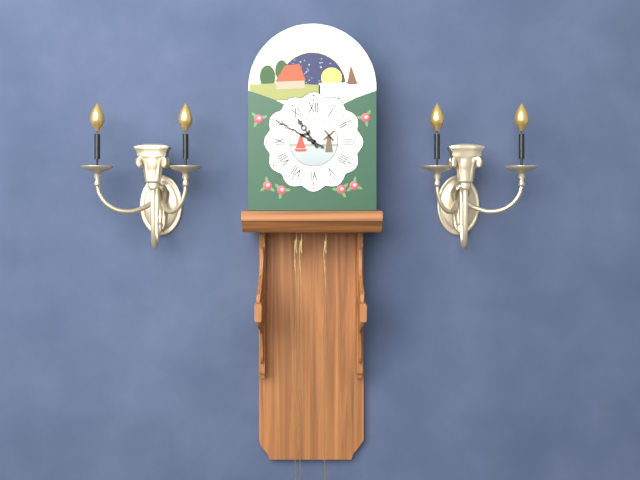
10,50
